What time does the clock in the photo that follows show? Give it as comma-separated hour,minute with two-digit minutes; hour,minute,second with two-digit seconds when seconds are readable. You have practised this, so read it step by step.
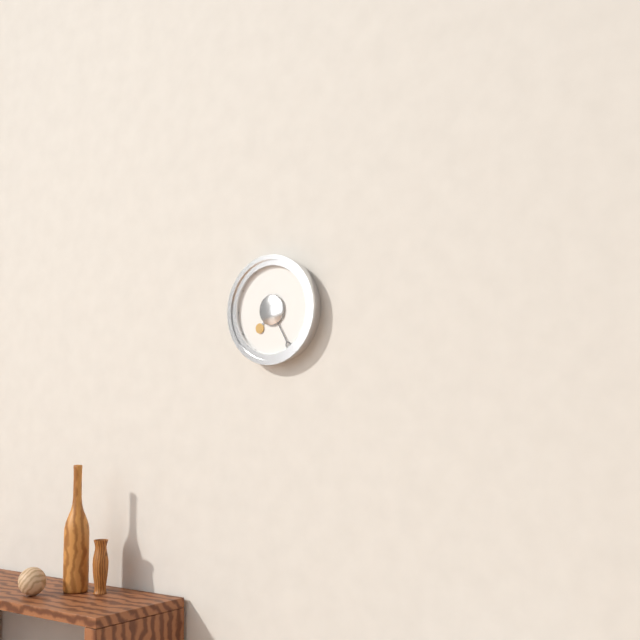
7,25
